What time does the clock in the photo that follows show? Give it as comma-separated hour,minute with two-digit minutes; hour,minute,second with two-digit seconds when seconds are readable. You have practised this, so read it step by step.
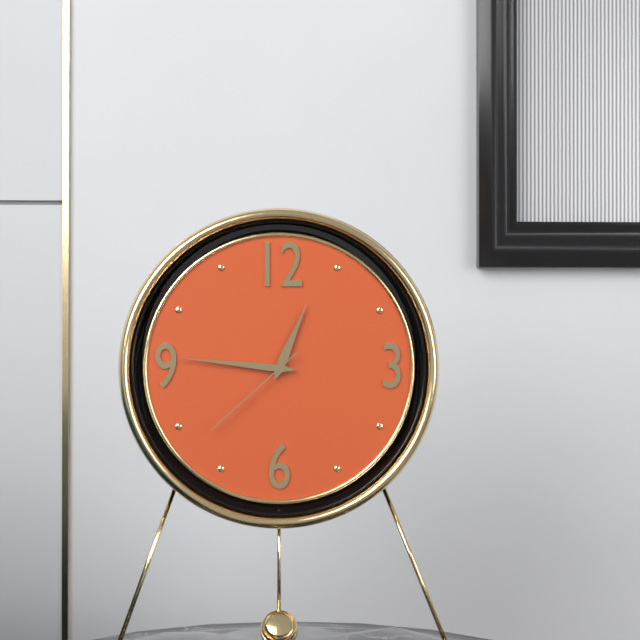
12,46,38
